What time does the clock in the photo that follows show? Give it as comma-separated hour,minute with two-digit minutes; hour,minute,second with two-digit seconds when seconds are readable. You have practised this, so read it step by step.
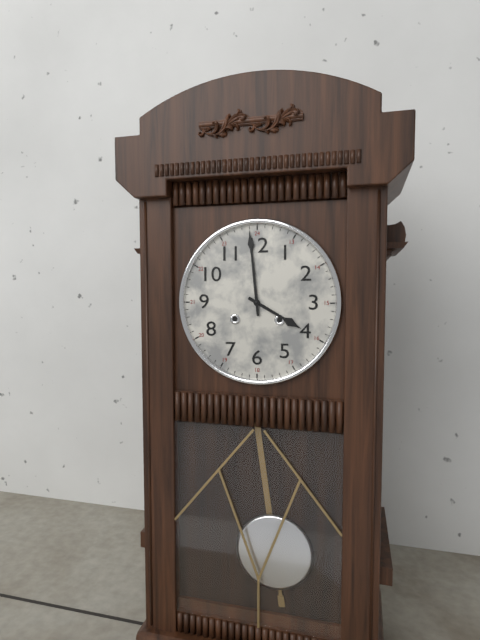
3,59
